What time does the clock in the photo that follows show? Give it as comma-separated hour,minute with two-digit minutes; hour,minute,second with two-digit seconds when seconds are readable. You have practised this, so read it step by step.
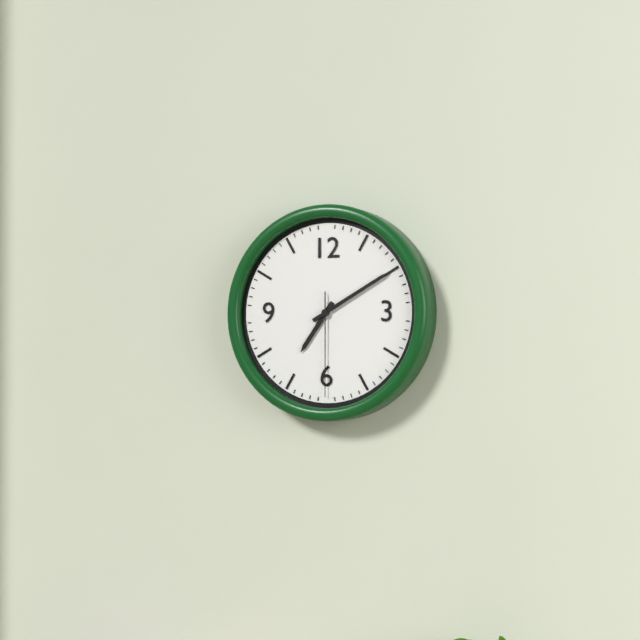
7,10,30
